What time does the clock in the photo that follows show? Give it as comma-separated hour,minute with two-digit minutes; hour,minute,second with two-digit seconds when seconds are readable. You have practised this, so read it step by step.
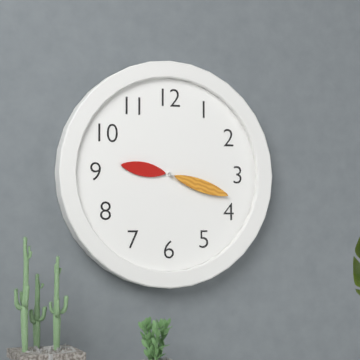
9,18
